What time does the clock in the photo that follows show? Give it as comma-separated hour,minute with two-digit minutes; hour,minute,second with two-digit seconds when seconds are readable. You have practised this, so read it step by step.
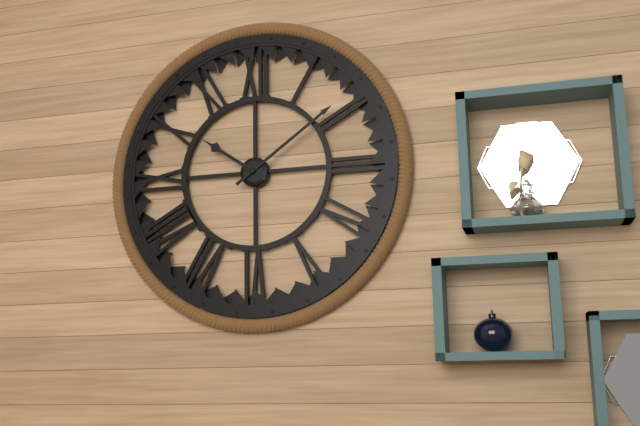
10,09
